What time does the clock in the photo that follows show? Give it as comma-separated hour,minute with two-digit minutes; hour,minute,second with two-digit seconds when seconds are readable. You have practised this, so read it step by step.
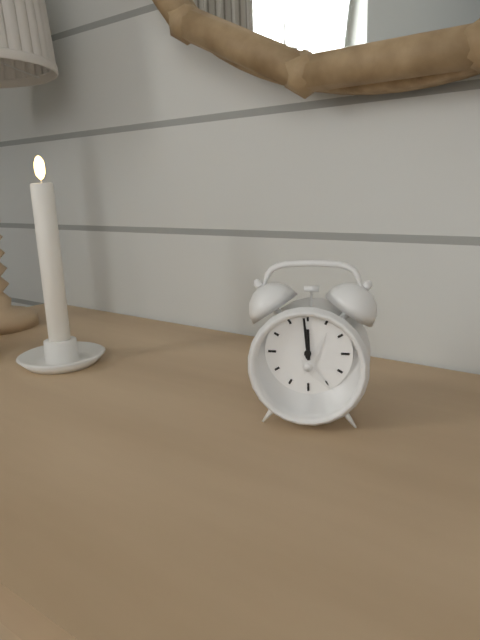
11,59
